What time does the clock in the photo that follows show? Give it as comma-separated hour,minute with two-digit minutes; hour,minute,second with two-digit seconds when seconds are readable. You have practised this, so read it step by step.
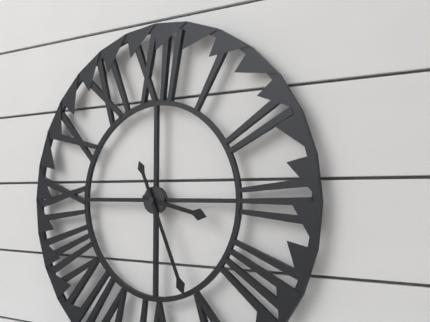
3,26
